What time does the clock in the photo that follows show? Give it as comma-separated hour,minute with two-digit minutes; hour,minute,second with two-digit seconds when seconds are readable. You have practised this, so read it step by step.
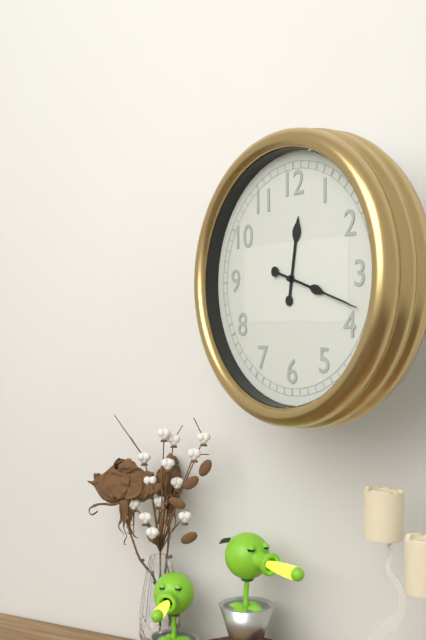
12,18,18
